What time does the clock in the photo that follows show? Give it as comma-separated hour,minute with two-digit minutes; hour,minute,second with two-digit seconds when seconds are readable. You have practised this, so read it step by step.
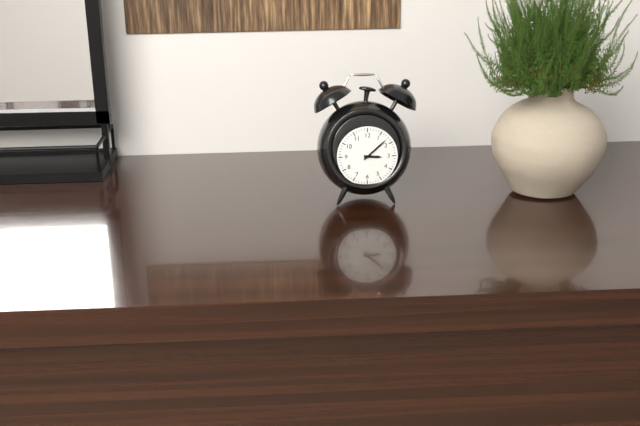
3,08
